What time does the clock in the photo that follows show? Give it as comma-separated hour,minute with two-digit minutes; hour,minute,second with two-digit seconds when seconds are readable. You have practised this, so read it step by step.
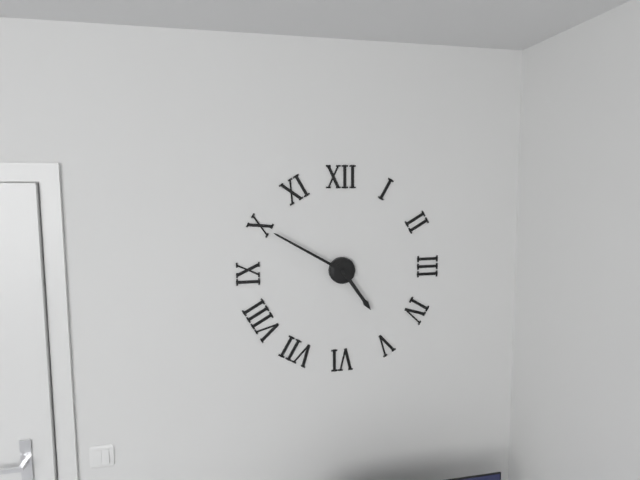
4,50
